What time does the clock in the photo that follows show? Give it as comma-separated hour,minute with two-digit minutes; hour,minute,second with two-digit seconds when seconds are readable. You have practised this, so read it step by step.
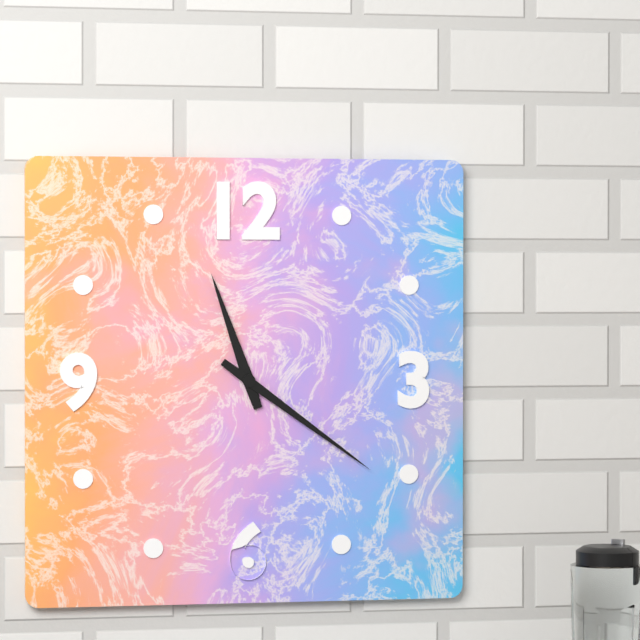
11,21
